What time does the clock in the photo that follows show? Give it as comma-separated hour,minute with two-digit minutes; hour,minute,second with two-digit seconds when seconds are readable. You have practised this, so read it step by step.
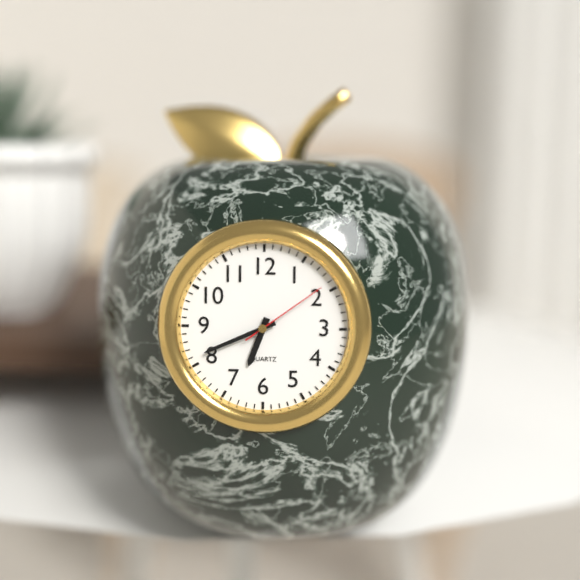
6,41,09
